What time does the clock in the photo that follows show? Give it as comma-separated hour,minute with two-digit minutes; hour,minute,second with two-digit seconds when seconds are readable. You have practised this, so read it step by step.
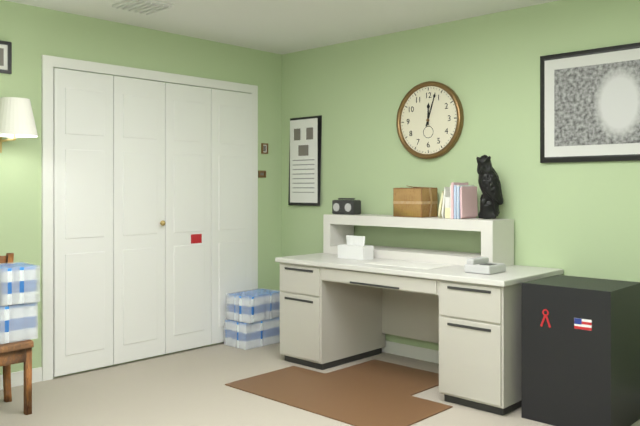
12,03
